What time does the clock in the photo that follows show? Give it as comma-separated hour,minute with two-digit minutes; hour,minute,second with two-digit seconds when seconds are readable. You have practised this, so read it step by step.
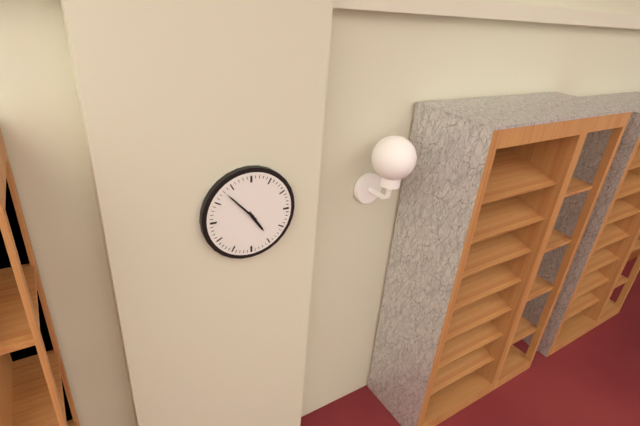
4,53
